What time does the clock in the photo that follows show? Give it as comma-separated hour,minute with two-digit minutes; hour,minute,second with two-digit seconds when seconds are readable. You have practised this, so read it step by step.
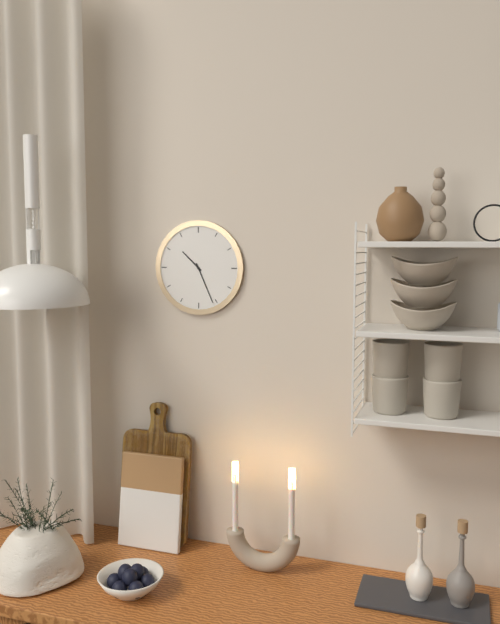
10,26
